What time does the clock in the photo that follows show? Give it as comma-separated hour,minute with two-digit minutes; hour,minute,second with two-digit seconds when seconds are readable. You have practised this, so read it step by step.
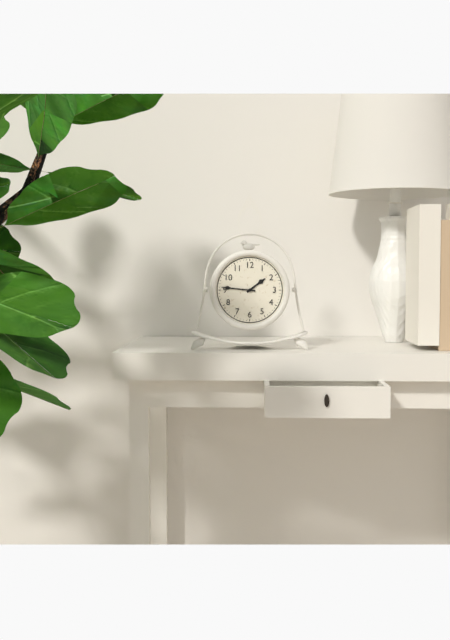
1,46
